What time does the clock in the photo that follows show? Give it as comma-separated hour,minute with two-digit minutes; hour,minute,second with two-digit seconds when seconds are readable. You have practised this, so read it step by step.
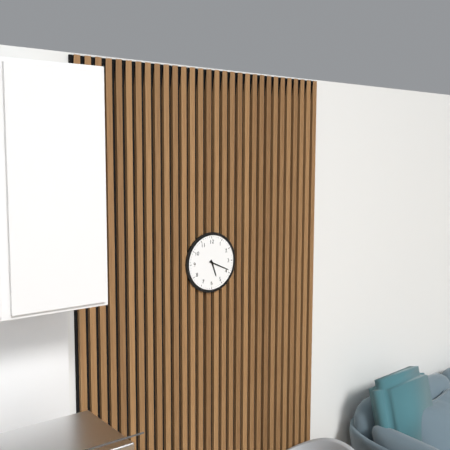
5,19
